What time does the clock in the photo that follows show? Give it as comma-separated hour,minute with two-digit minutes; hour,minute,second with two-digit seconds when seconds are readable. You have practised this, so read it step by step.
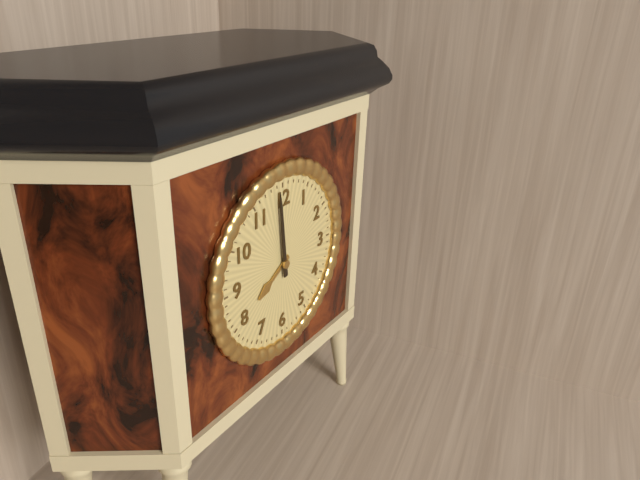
7,59
